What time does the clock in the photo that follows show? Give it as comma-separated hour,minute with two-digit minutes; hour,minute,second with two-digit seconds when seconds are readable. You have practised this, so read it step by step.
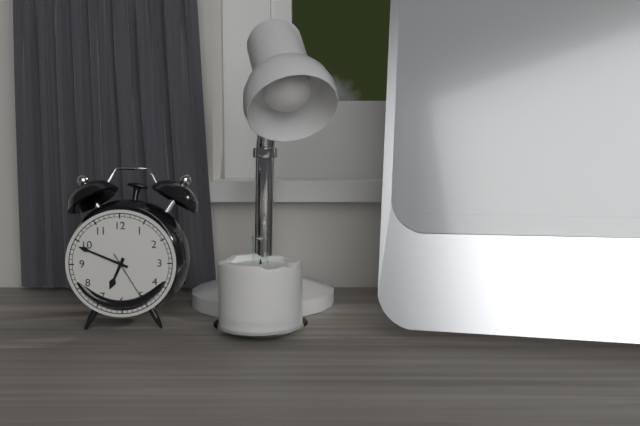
6,49,25
